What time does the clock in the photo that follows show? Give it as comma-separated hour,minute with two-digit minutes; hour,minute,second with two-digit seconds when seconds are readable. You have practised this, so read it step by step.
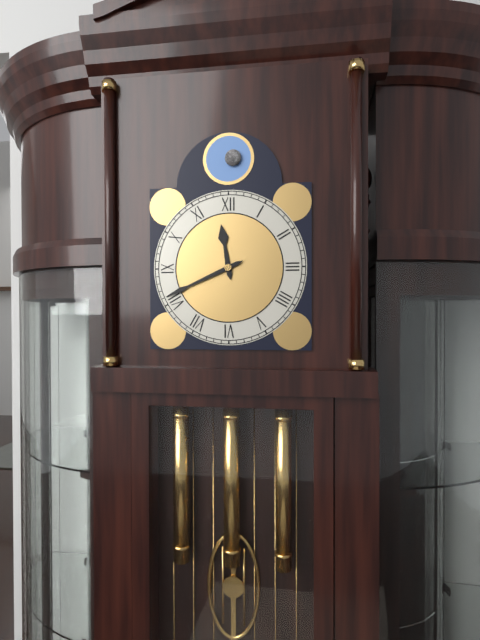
11,41
